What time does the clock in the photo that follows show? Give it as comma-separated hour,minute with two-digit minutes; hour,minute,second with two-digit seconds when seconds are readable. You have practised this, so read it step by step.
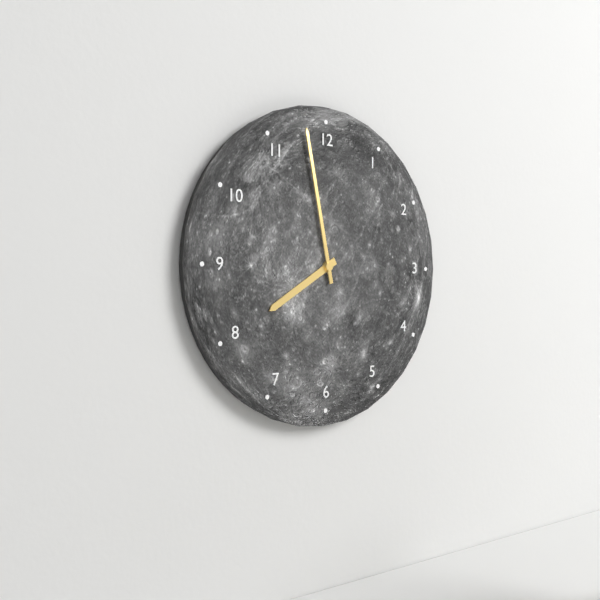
7,58
